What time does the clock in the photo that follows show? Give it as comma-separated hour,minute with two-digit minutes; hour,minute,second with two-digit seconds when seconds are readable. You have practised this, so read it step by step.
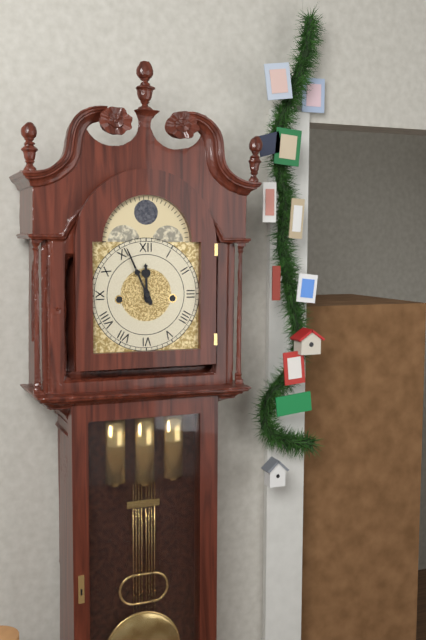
11,56
